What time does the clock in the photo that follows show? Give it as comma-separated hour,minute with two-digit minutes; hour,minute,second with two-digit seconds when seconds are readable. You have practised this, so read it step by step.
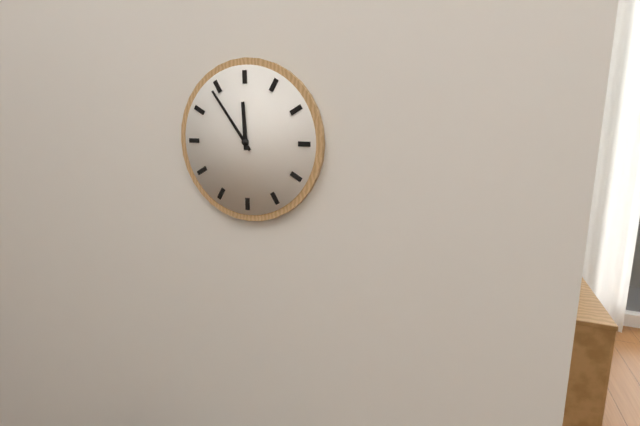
11,54
